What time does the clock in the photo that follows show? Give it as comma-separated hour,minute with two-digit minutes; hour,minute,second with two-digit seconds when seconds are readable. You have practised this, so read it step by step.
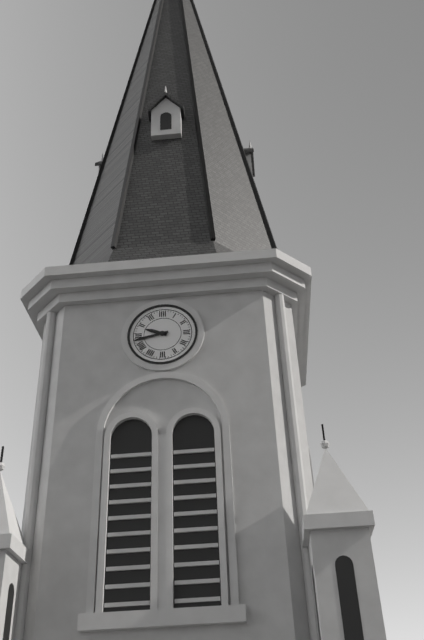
9,43
